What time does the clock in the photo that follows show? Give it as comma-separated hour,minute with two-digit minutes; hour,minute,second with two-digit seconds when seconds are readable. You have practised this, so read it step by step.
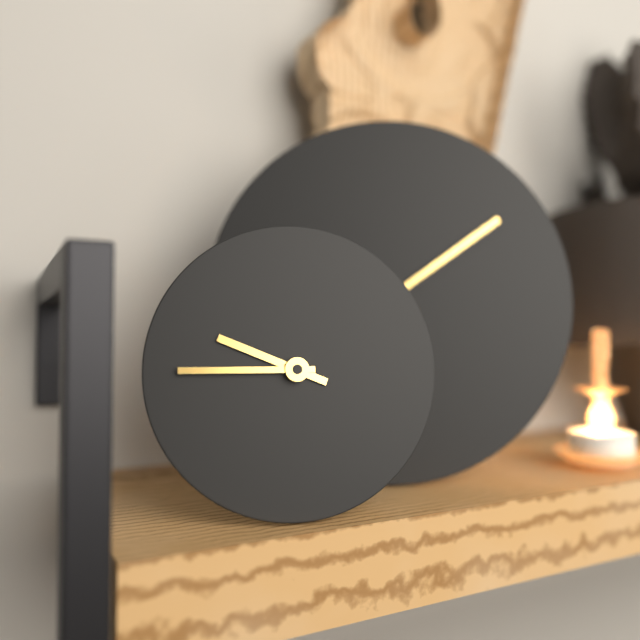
9,45
